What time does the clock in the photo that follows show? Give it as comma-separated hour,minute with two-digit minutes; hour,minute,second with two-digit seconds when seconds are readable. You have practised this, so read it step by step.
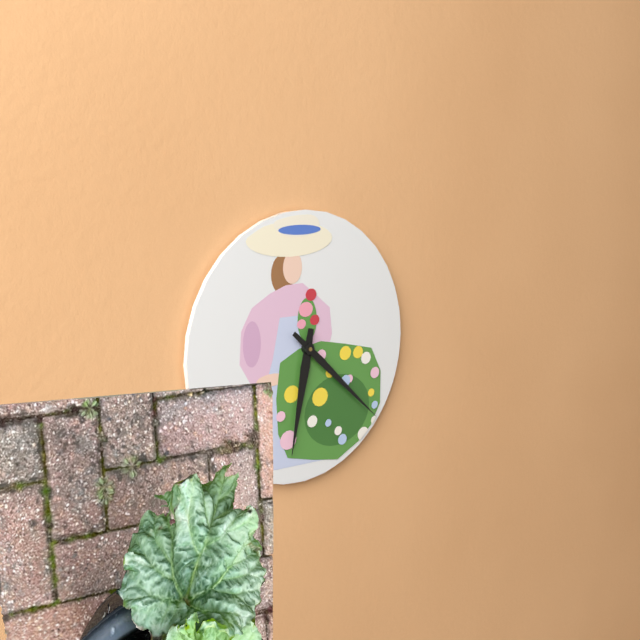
6,22
